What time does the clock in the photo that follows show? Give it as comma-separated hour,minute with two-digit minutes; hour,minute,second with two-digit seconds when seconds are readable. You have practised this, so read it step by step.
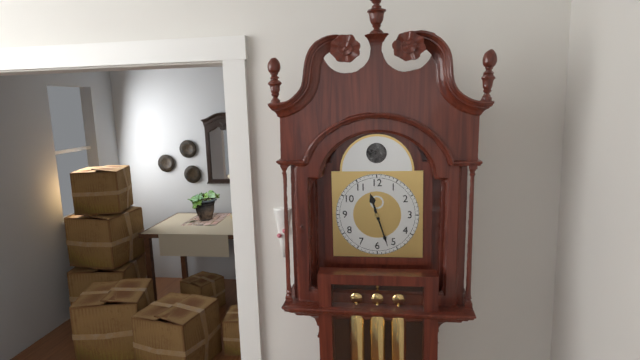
11,27
